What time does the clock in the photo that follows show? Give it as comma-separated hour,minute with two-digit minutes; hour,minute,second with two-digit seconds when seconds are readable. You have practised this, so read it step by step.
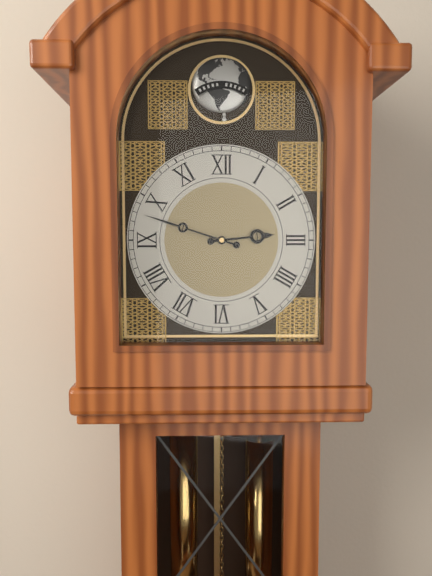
2,48
